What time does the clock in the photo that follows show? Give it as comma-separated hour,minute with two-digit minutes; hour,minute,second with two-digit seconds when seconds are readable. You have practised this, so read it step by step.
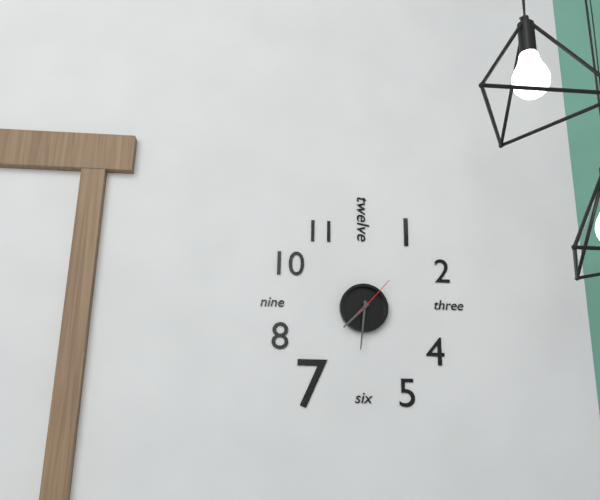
7,31
